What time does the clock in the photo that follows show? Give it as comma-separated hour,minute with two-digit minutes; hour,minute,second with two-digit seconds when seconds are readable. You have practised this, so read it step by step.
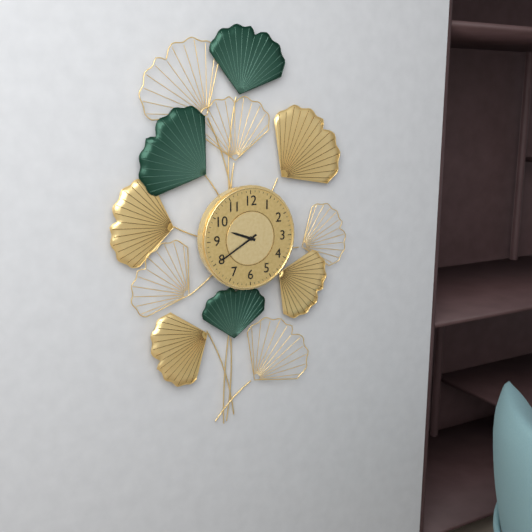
9,40
